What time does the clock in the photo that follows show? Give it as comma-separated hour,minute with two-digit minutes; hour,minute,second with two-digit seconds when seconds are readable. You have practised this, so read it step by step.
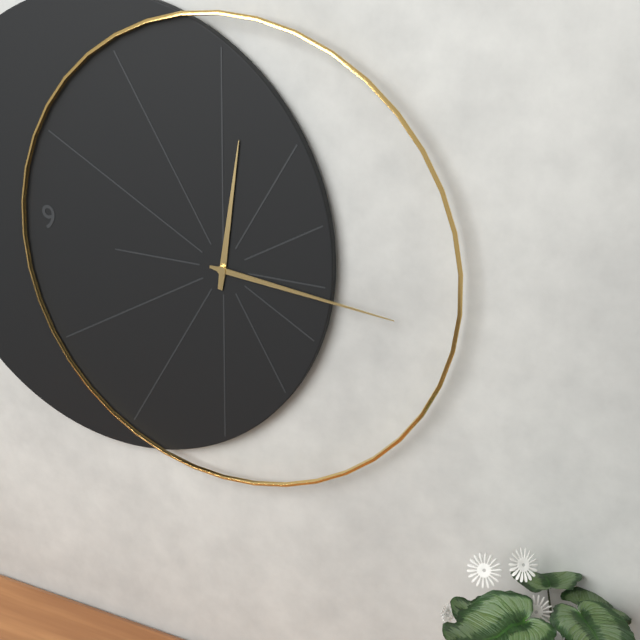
12,16
